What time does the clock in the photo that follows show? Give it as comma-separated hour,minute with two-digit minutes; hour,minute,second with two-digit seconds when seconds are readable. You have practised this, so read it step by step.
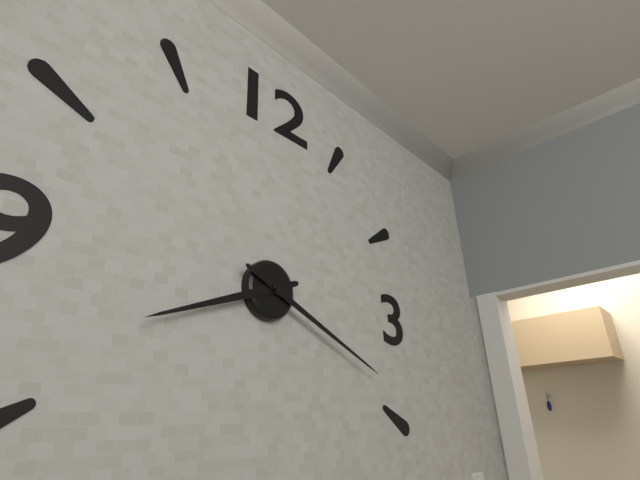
8,19
